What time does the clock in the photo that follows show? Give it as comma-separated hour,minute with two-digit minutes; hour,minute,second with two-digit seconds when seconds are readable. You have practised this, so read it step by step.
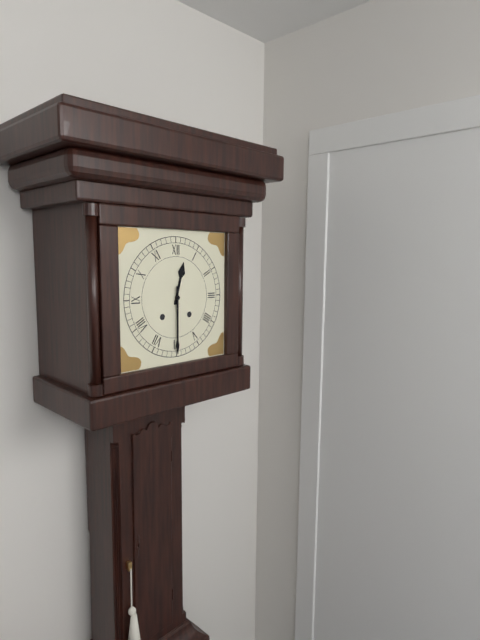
12,30
